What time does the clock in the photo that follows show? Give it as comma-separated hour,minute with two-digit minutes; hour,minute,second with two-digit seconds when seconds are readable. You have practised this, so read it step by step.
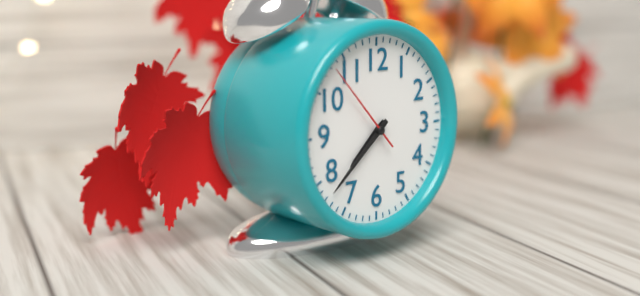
7,38,53
